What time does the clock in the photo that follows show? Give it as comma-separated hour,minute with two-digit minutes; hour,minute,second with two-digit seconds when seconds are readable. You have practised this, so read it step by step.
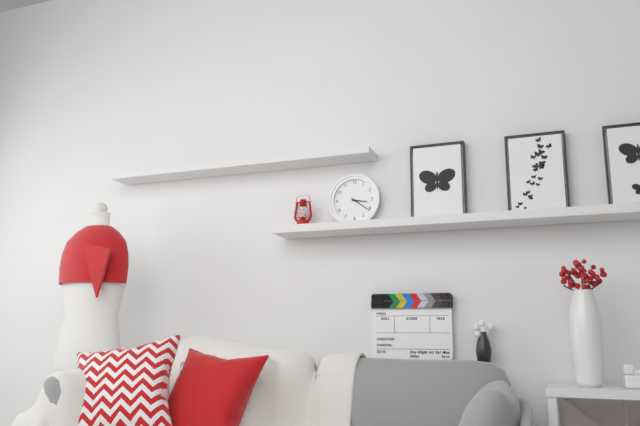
3,21
